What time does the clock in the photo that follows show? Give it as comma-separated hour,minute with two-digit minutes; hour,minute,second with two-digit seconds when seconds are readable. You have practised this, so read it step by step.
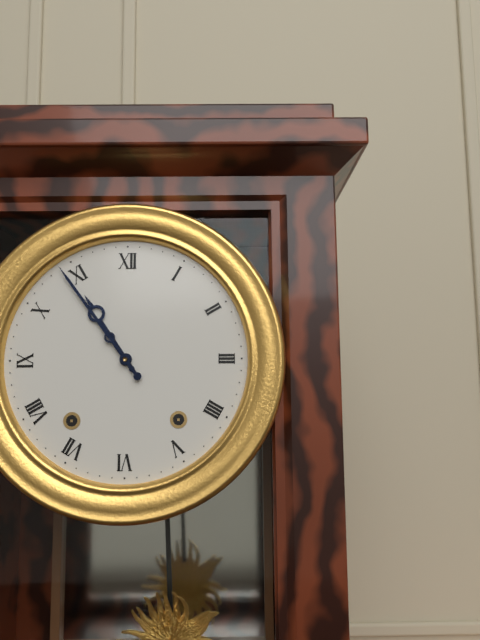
10,54
